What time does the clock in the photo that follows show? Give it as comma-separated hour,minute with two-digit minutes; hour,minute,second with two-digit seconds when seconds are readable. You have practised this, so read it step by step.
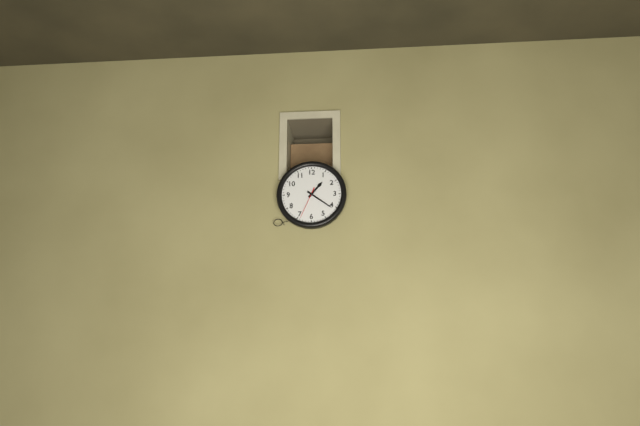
1,21
